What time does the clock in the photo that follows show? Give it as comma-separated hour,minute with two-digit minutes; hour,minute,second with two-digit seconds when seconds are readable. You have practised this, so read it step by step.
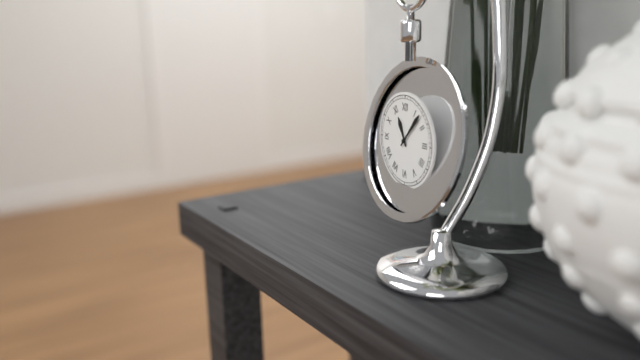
11,07
